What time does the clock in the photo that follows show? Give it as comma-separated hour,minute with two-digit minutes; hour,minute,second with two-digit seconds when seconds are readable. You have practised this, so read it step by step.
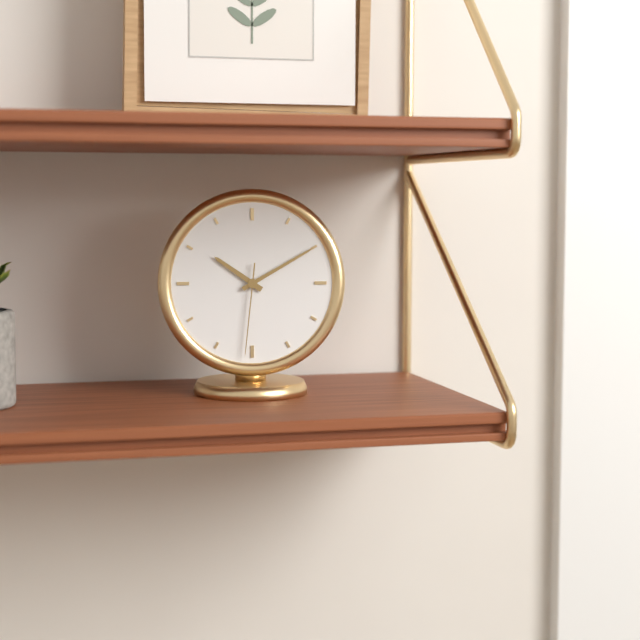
10,10,31
